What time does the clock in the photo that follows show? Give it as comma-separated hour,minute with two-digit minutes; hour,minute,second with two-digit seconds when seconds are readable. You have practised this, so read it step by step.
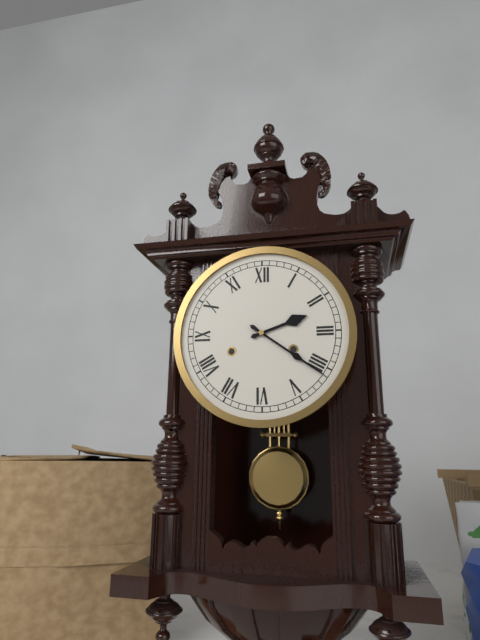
2,21
